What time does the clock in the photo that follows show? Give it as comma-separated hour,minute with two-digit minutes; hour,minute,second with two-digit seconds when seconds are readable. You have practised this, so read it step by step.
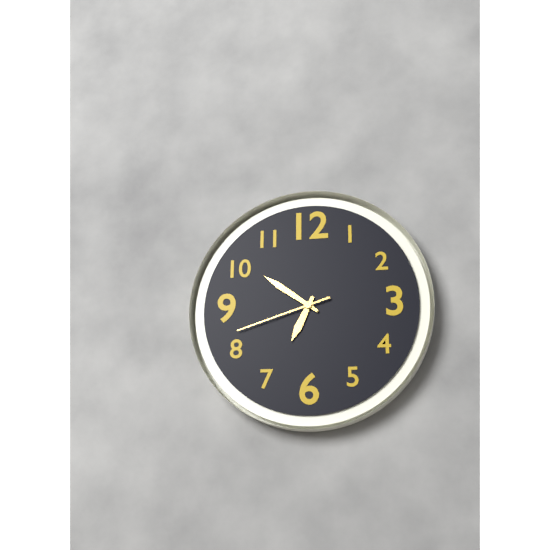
6,51,42
